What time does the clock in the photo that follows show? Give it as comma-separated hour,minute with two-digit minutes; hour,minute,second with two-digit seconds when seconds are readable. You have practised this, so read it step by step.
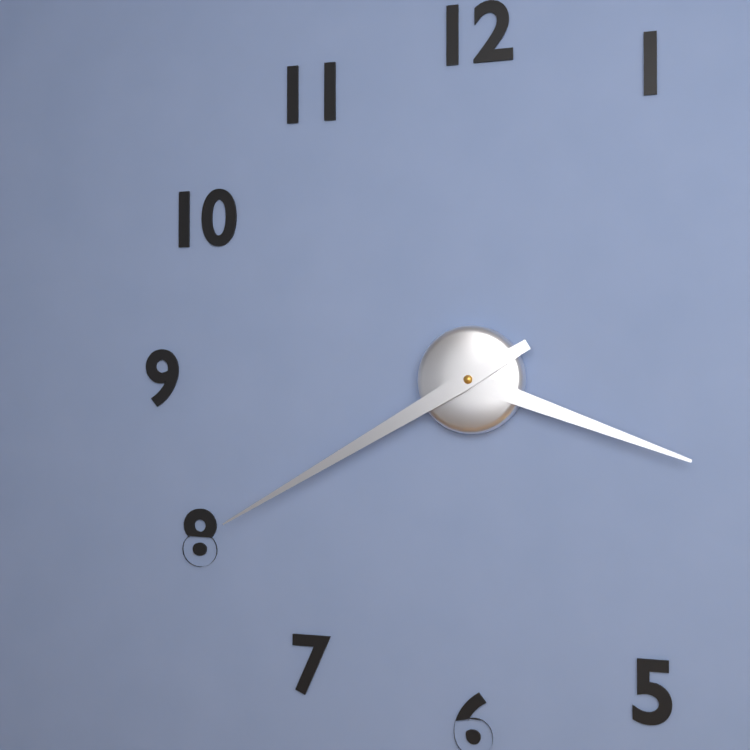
3,40
